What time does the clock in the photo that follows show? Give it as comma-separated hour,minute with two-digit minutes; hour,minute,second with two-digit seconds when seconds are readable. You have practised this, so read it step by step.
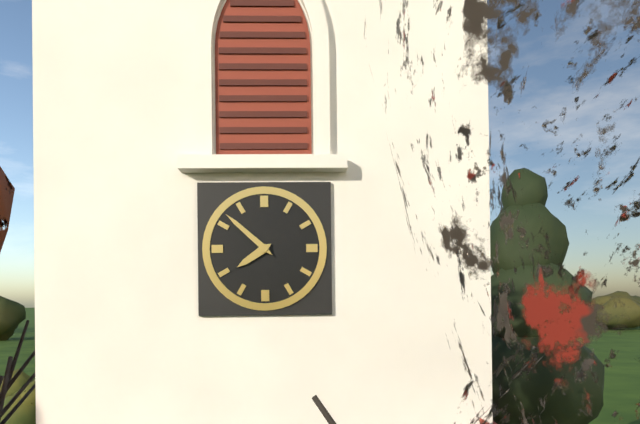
7,52
